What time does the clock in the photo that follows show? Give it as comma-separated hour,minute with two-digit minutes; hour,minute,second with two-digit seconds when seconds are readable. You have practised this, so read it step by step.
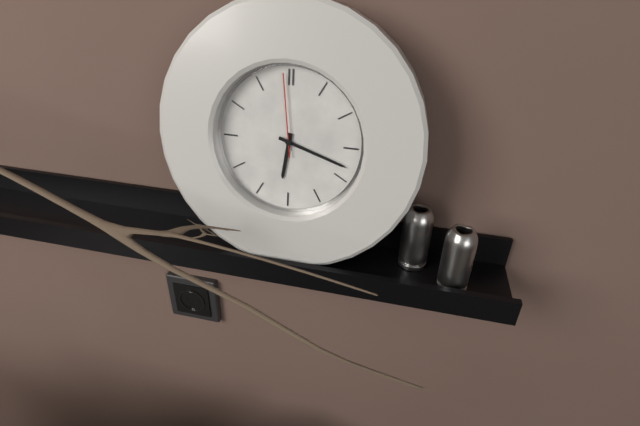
6,18,59
